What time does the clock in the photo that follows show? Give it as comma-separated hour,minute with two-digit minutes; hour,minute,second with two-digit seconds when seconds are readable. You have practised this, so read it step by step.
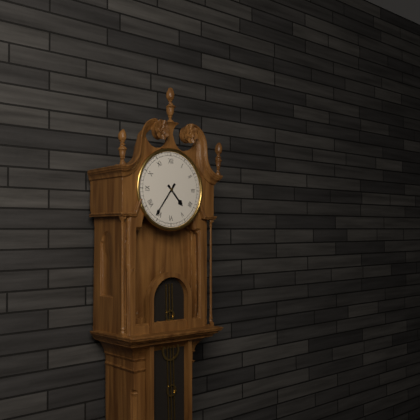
4,36
